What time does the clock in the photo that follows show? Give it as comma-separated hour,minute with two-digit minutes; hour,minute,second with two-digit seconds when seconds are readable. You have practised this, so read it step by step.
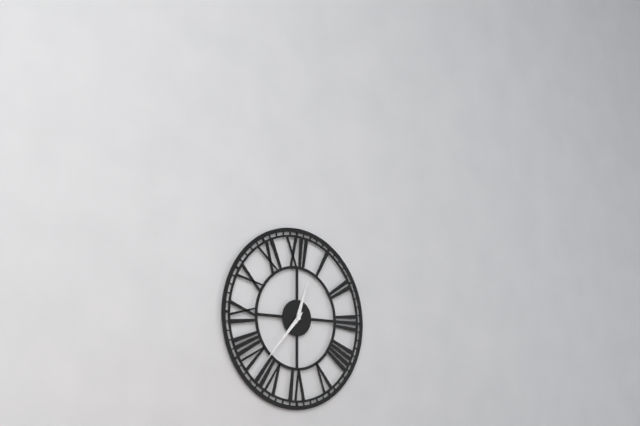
12,37
